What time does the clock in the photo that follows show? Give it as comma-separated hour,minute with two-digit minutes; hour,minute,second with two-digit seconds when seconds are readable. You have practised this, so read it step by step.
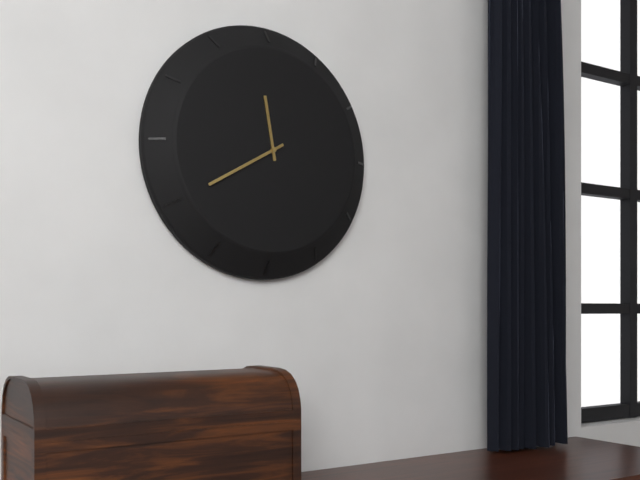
11,40
